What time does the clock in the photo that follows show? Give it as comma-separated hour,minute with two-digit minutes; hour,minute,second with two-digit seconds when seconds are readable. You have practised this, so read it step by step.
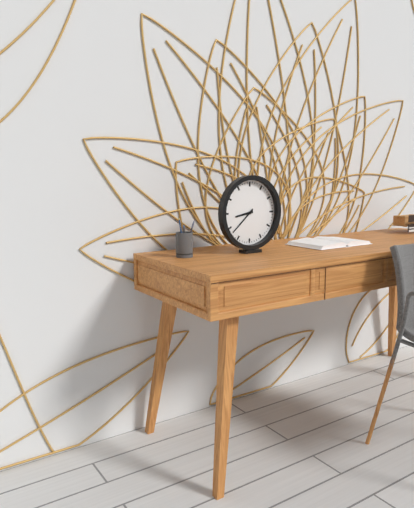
8,38
